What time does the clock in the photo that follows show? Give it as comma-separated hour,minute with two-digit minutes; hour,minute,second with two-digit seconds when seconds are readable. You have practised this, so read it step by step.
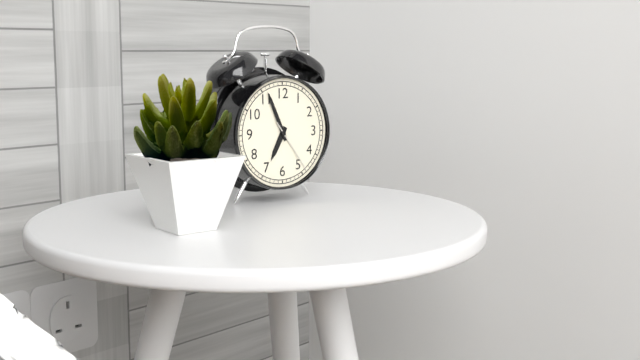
6,56,24
